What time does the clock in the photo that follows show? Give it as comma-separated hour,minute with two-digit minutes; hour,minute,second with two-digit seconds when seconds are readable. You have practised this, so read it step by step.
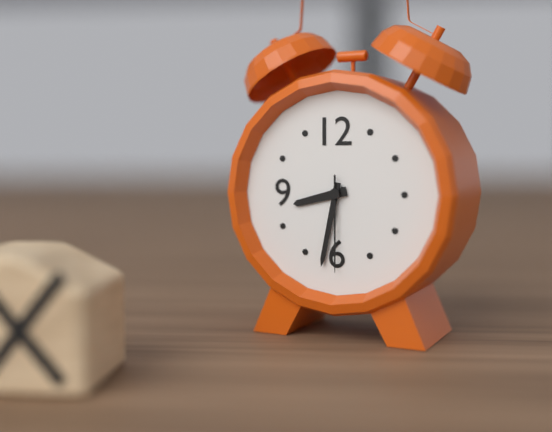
8,32,30
